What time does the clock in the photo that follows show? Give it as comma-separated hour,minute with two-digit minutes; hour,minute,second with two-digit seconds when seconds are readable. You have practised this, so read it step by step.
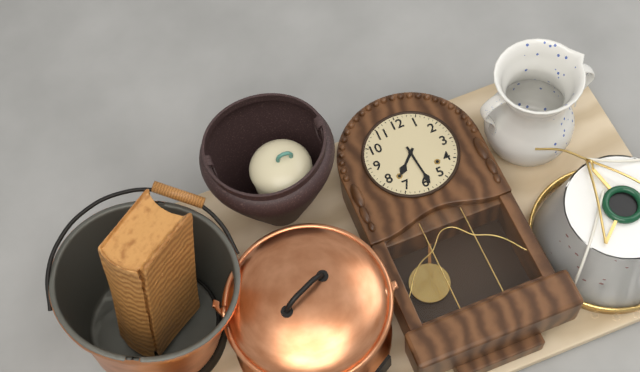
7,29
